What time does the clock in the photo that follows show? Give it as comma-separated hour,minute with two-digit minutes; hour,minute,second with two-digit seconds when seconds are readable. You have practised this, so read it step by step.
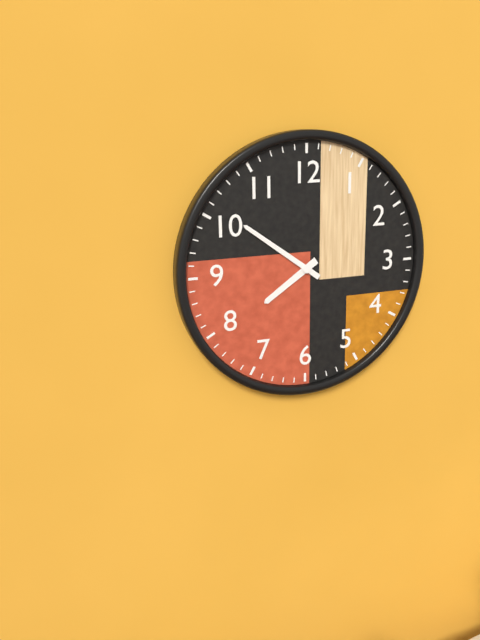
7,51
